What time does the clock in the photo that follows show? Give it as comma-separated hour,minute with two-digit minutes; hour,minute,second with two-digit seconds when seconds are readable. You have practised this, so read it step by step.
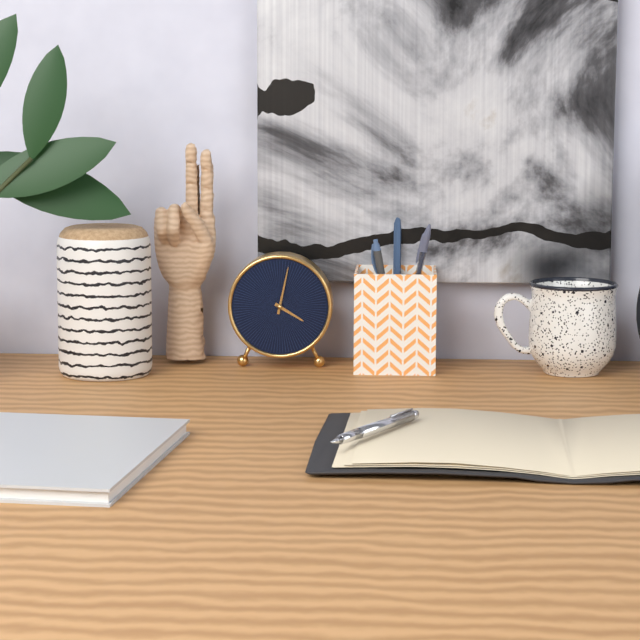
4,02
